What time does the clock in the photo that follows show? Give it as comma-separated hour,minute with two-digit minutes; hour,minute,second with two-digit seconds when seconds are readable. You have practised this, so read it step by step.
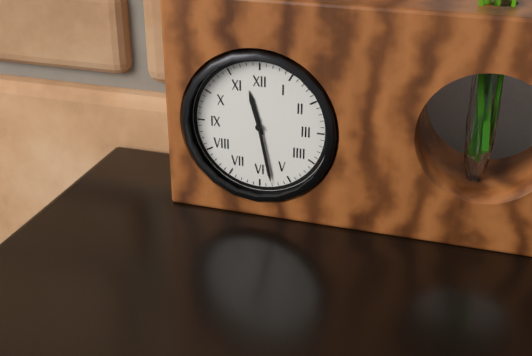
11,28
